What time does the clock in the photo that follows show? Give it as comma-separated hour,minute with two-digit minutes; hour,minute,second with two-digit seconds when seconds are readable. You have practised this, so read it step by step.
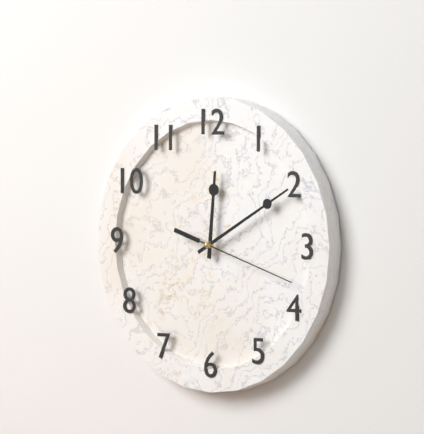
12,10,18
